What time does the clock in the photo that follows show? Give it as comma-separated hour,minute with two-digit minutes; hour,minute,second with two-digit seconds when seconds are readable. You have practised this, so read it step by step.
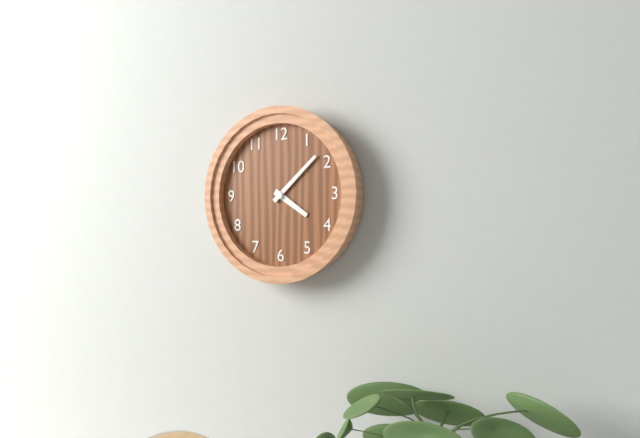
4,08
